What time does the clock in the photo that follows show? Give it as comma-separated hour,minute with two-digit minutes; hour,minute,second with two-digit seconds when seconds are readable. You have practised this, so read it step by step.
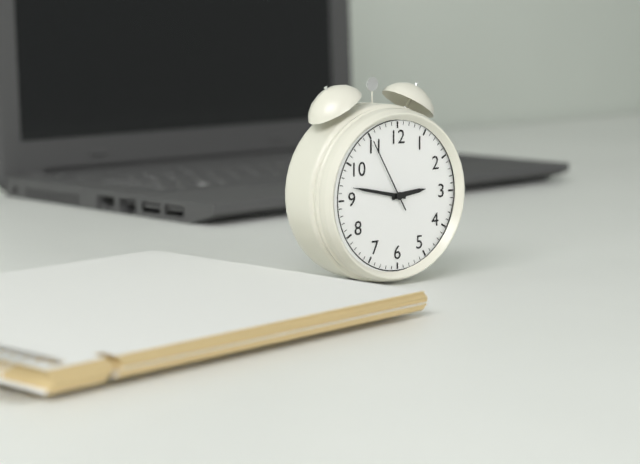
2,47,55
